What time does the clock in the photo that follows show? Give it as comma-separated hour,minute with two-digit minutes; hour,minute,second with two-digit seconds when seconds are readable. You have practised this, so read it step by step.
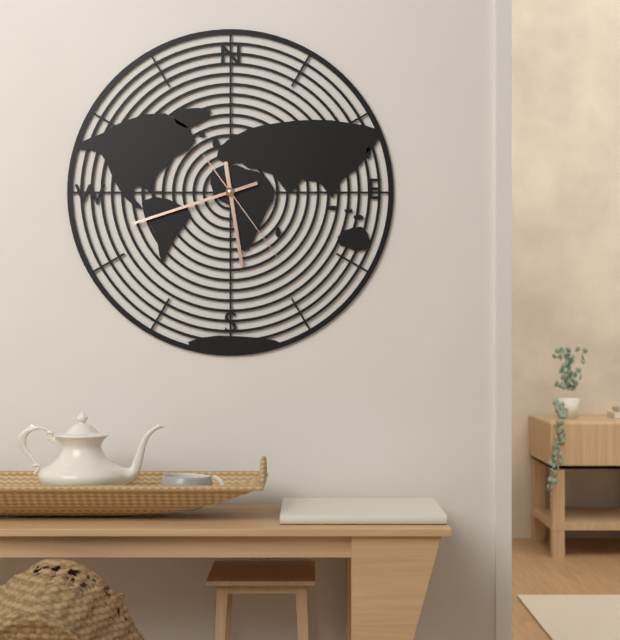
5,42,24
